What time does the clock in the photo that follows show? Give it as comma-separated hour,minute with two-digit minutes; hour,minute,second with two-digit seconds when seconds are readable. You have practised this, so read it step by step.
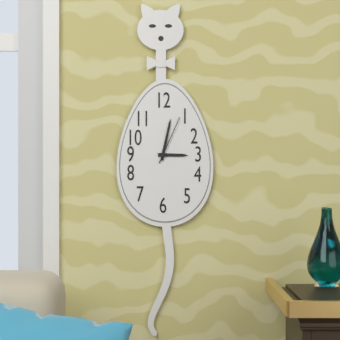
3,02,04
